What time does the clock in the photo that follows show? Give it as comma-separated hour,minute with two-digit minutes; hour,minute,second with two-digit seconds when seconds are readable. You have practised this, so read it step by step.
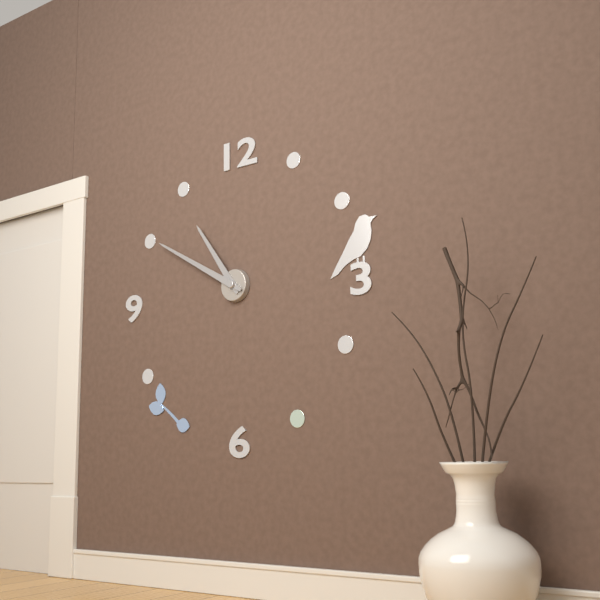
10,50
